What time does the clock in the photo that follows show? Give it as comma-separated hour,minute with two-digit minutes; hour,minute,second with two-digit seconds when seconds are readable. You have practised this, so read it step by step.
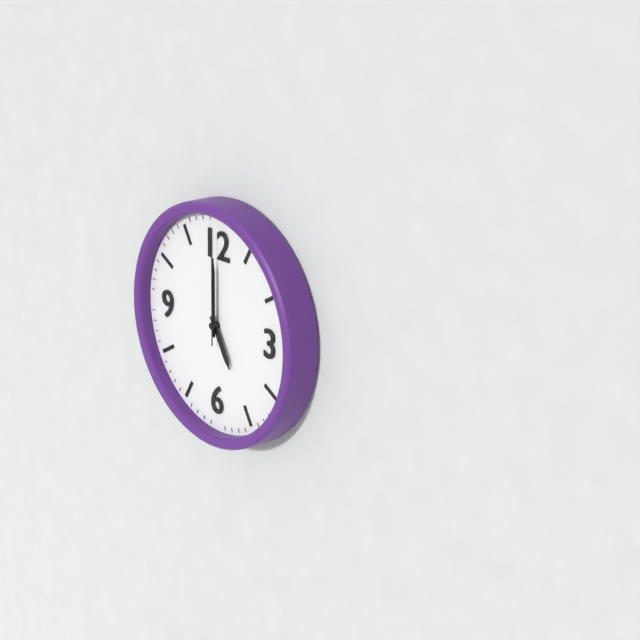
5,00,00
